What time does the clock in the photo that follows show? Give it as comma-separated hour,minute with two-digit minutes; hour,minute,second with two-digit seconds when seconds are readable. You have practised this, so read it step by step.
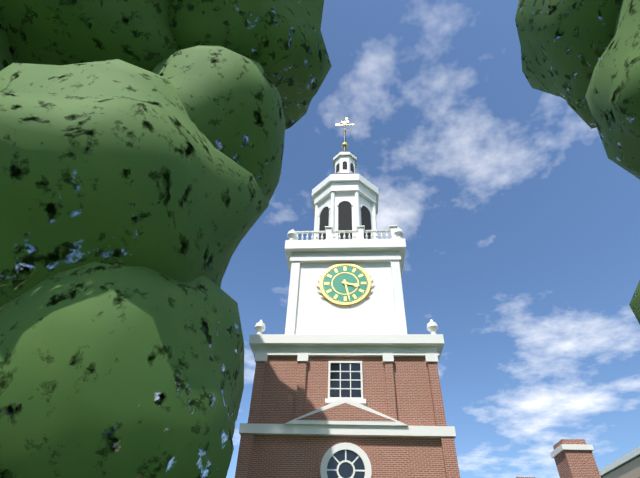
3,28
